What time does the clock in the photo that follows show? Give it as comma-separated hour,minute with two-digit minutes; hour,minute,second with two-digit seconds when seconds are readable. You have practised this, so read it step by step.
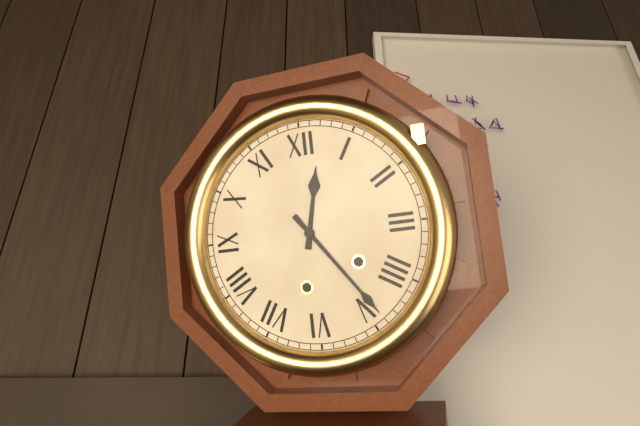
12,24
